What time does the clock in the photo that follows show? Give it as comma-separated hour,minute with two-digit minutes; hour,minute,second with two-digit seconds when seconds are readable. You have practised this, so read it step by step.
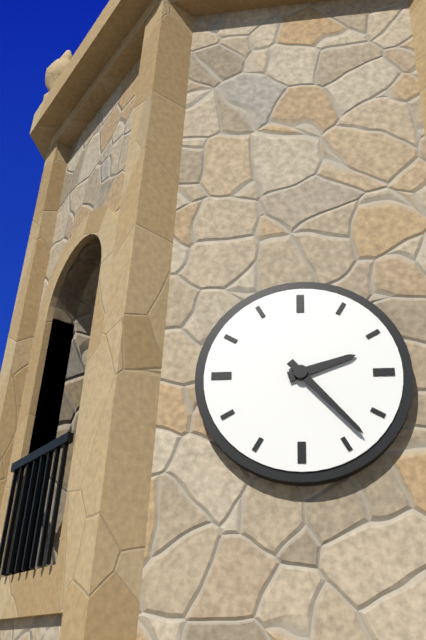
2,23
